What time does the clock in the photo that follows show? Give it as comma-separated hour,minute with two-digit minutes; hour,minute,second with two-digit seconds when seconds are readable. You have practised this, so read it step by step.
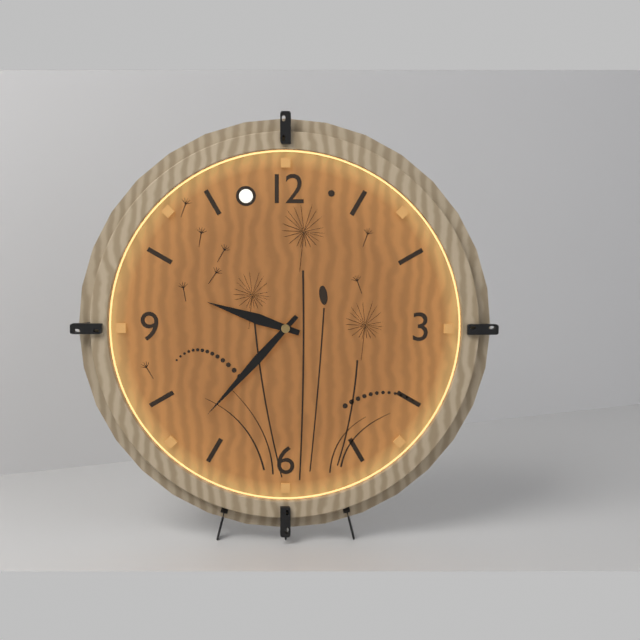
9,37
